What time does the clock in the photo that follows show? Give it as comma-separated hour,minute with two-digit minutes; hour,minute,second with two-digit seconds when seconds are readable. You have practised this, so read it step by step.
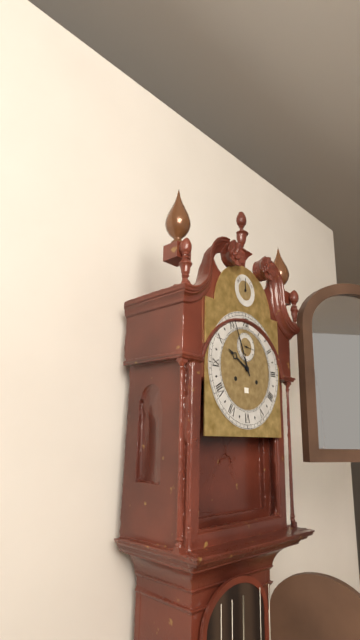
9,56
